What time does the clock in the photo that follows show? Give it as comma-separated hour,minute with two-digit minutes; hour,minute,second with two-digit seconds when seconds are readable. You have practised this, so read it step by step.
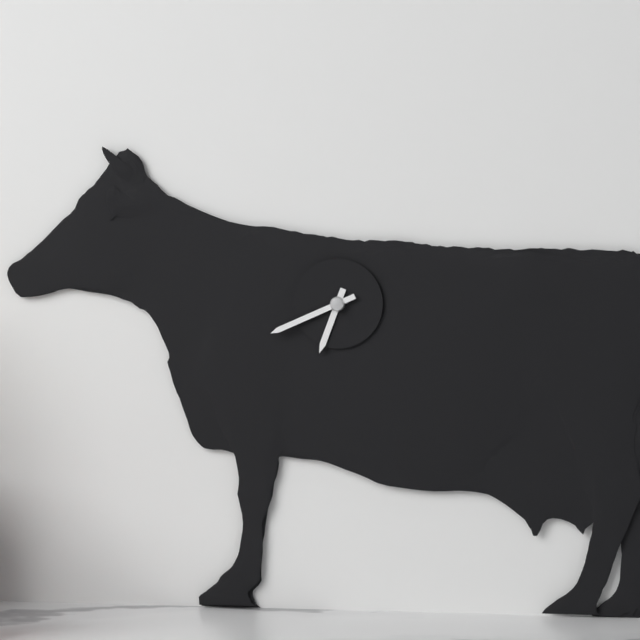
6,41
